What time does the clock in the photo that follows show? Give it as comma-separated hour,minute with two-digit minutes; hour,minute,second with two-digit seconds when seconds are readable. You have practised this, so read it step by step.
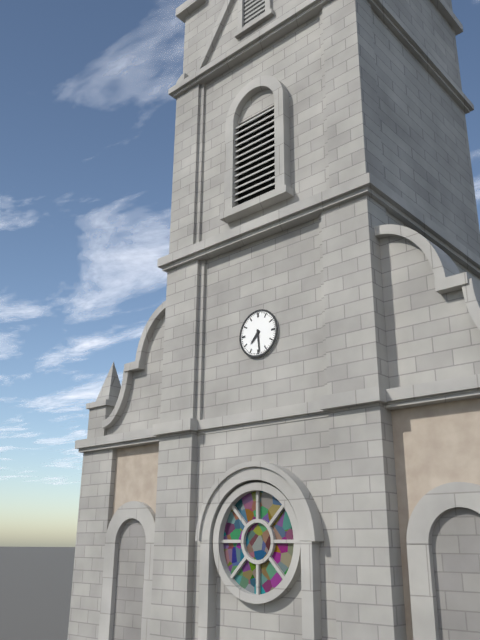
7,29
